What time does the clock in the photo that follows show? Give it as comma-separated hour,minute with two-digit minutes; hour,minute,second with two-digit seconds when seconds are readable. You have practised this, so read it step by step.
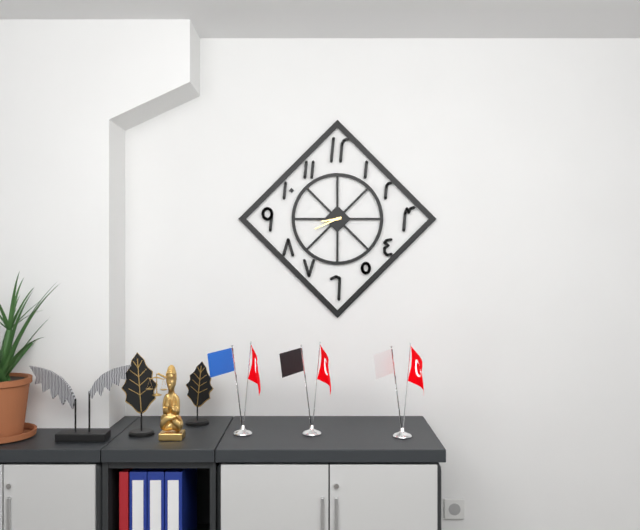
8,41
